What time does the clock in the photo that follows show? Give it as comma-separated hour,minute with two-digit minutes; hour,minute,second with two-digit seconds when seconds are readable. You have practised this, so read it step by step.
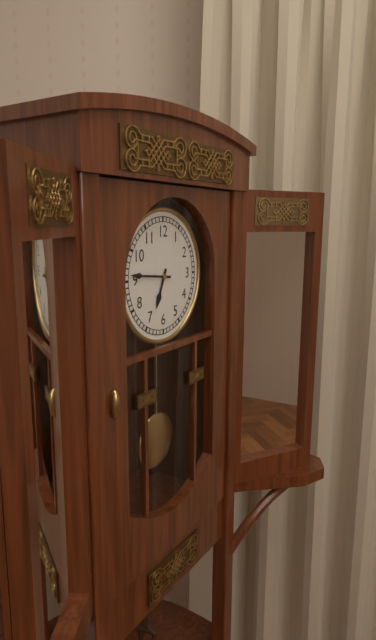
6,46
